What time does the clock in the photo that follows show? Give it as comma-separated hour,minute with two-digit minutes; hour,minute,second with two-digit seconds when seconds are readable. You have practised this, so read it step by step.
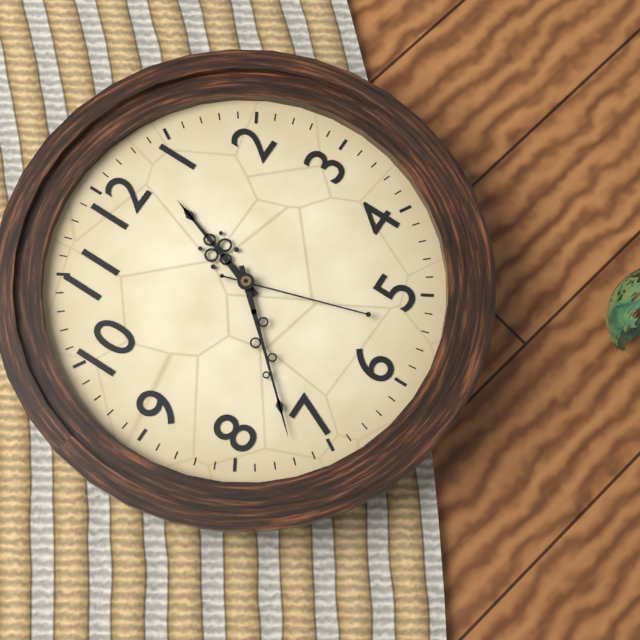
12,37,27
